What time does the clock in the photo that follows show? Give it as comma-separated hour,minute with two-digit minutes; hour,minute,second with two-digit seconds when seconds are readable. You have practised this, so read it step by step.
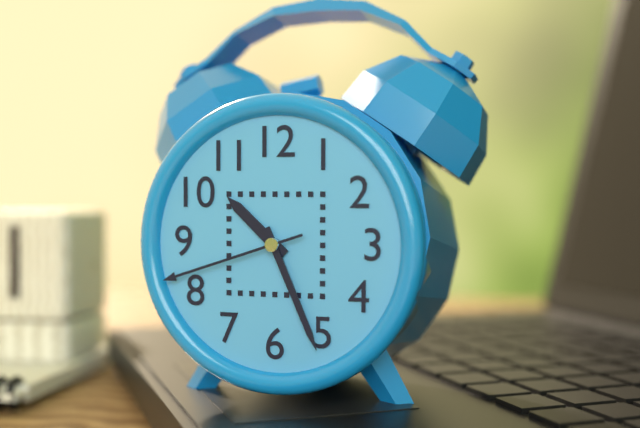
10,26,42
